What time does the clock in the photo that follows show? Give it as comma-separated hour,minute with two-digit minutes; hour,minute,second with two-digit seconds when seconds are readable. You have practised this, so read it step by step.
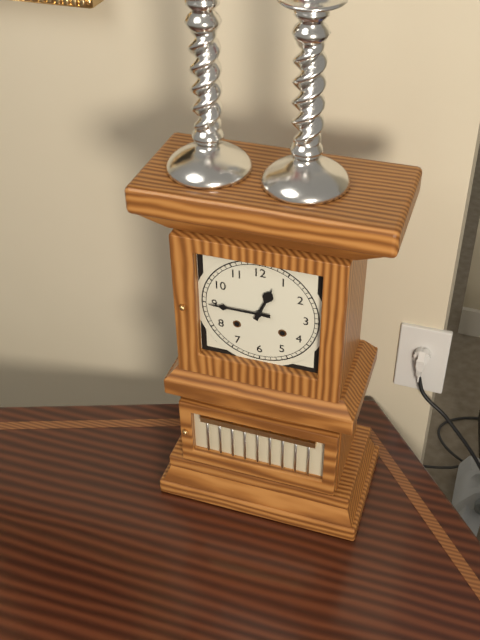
12,45
